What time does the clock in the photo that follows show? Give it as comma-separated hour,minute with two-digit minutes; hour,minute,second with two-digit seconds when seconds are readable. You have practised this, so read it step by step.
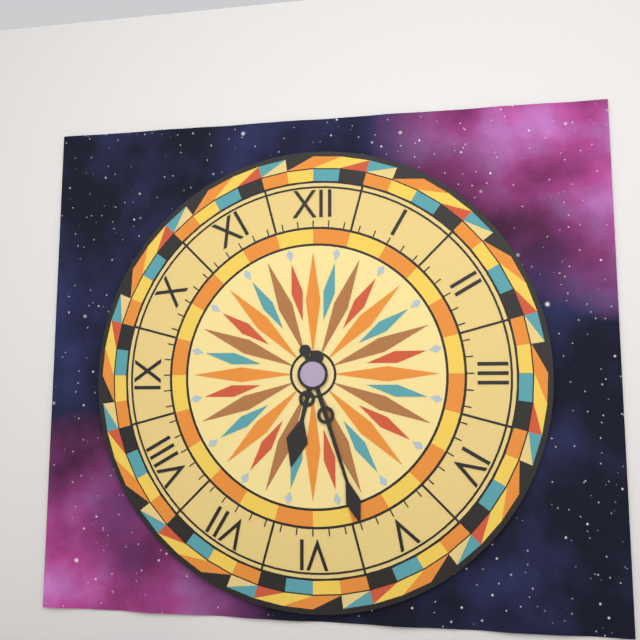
6,27
